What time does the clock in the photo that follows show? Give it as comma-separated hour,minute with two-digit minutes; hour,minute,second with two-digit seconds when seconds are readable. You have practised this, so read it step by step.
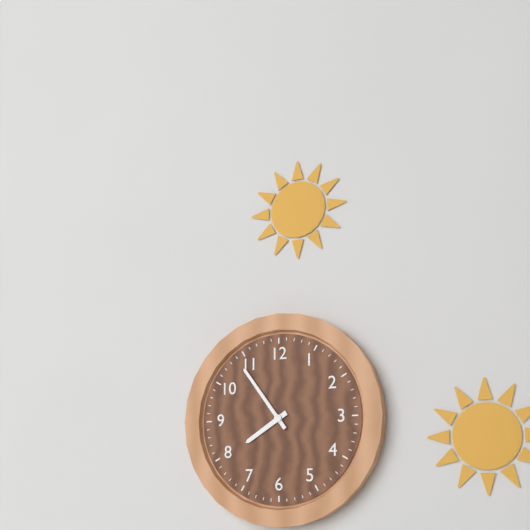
7,54
